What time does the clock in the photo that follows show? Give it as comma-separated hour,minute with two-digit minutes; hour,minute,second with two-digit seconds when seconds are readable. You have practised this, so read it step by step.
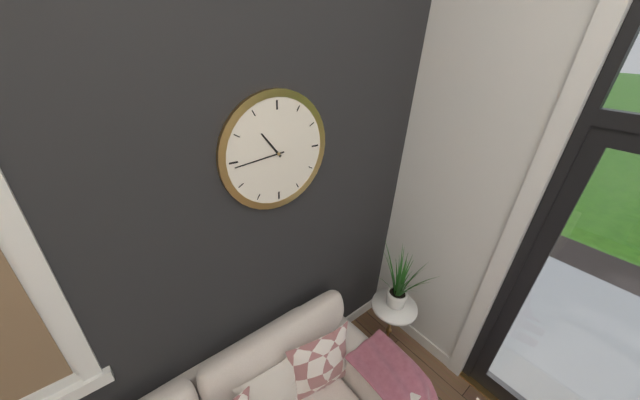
10,44
